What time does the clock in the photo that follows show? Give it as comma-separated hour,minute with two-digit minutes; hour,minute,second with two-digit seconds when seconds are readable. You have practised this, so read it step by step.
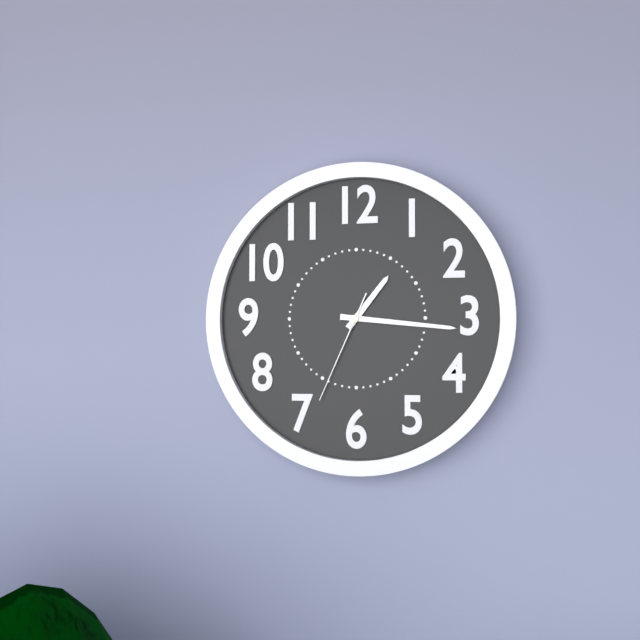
1,16,34
